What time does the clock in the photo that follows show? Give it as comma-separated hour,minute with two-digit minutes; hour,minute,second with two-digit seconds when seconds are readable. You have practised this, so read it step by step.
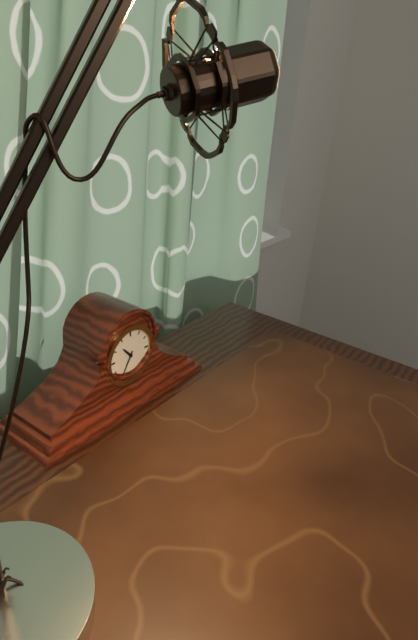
10,35
